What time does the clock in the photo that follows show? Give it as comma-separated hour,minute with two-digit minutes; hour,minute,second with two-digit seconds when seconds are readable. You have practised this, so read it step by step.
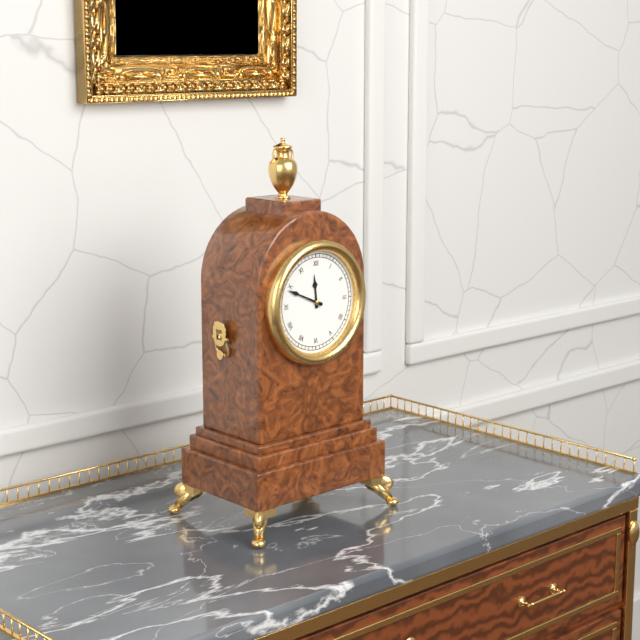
11,49
